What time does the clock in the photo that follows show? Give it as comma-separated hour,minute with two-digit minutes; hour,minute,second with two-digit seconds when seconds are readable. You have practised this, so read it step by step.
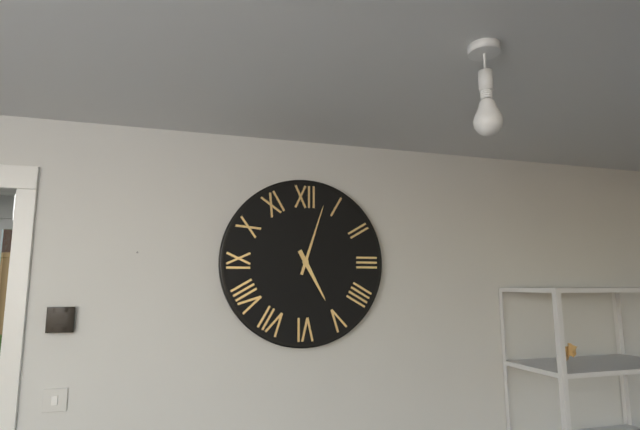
5,03
